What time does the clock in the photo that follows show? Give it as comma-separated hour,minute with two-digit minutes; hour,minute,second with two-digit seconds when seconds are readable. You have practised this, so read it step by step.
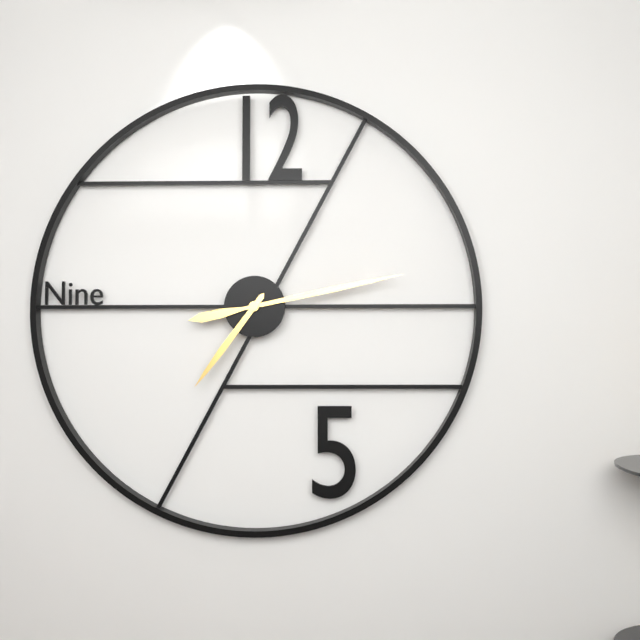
7,13
